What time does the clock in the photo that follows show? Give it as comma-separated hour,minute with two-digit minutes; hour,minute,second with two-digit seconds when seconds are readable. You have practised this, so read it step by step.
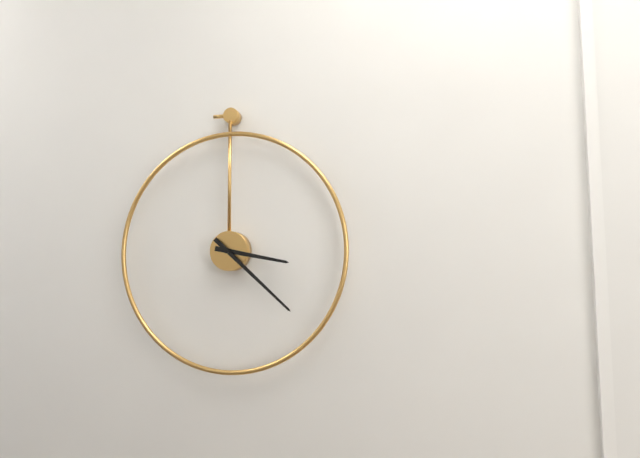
3,22
